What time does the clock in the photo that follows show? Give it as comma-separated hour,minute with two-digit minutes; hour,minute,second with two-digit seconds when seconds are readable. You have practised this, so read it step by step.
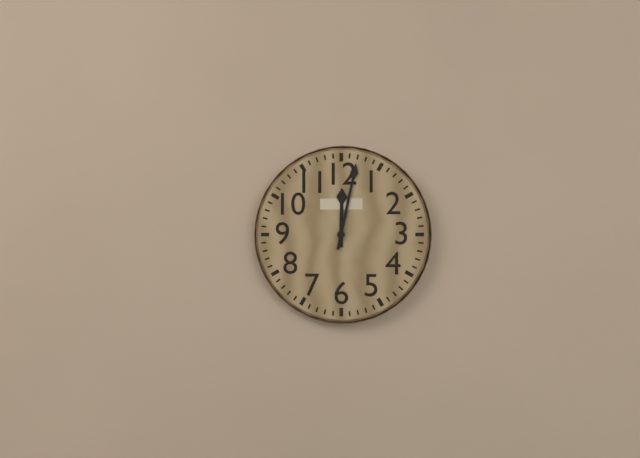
12,02
